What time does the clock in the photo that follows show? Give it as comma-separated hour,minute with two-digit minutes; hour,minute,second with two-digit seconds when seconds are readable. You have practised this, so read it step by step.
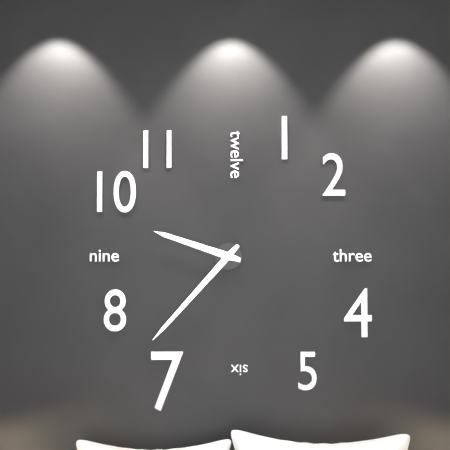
9,37
